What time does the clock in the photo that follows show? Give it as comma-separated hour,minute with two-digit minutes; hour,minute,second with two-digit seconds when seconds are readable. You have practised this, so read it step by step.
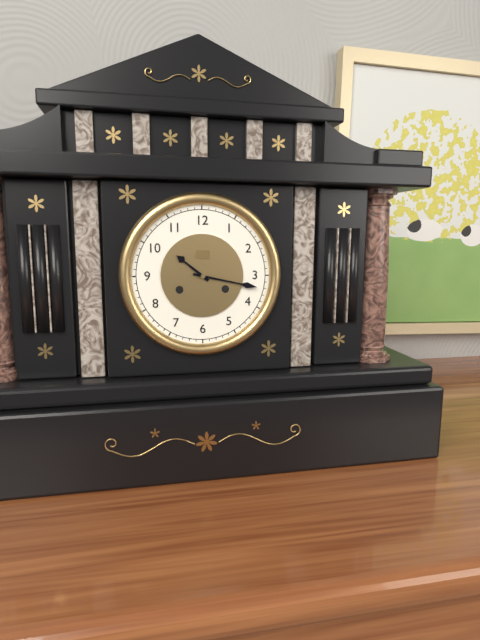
10,17
